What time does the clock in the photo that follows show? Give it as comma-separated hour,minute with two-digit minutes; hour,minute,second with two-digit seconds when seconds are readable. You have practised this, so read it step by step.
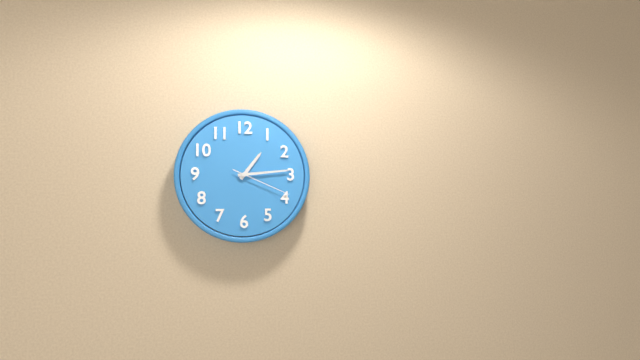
1,14,19
